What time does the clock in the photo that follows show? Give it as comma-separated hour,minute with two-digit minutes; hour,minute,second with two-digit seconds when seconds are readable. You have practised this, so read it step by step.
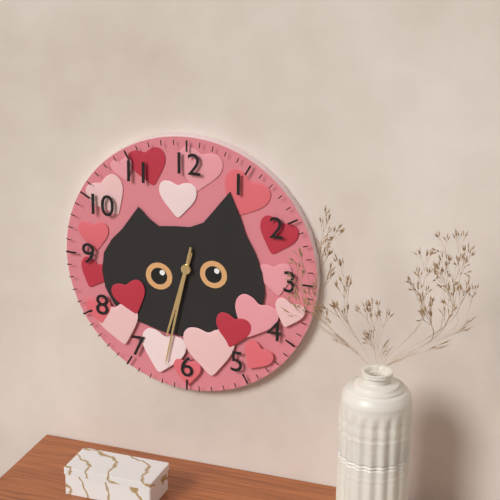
6,32
